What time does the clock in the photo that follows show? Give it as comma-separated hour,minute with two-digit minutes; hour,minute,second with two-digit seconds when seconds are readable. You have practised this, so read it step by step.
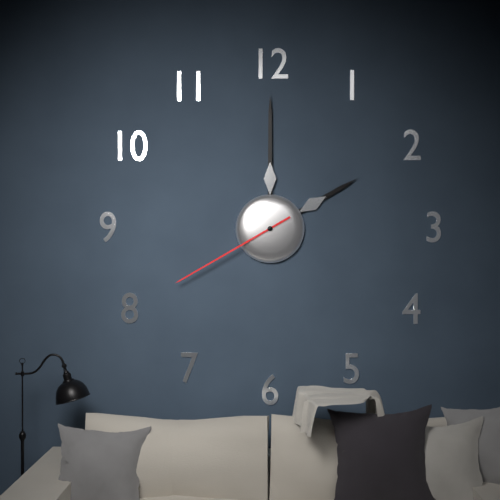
2,00,40
